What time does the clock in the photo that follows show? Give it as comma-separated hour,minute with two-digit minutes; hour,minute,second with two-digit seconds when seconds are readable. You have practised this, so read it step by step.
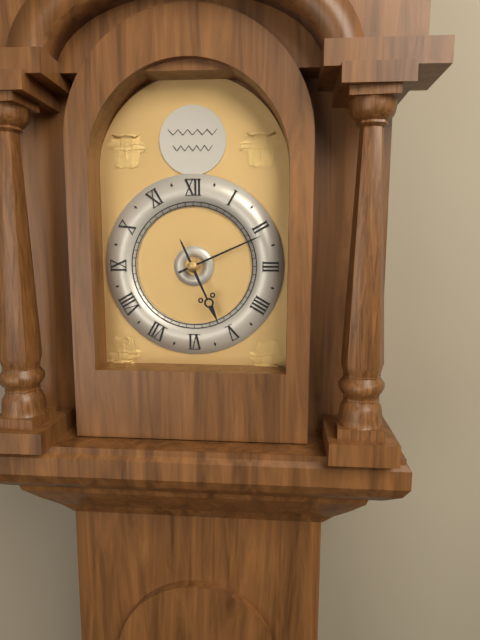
5,11
